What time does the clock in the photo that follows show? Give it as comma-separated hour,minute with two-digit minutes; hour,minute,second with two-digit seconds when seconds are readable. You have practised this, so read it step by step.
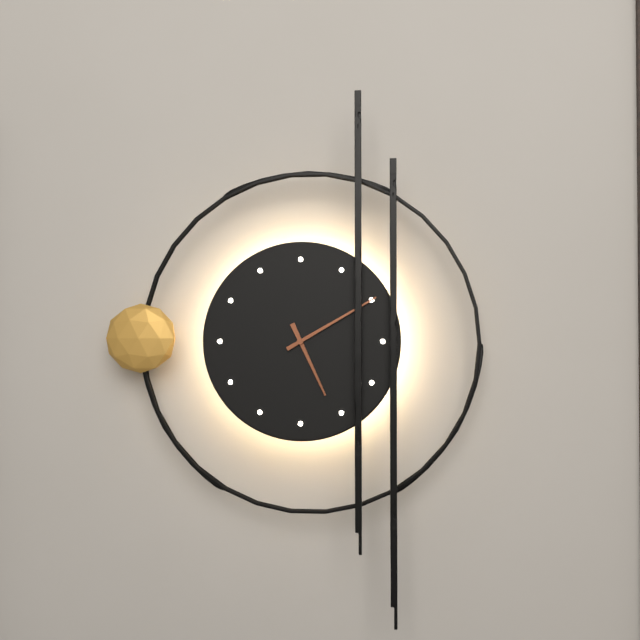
5,10
